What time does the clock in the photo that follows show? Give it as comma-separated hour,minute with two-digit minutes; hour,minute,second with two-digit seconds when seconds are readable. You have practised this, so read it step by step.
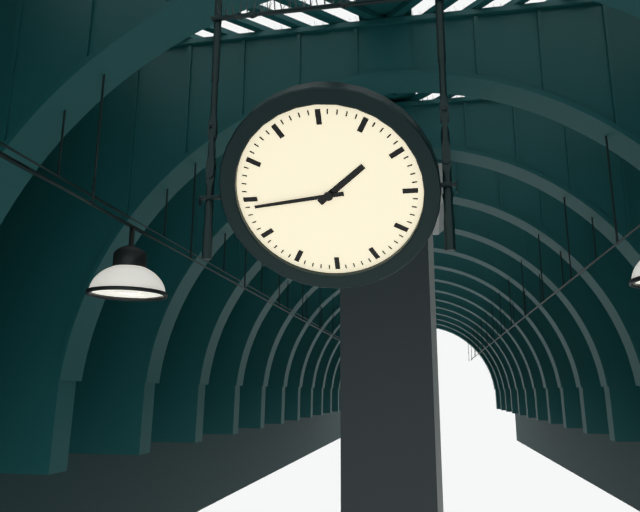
1,44
